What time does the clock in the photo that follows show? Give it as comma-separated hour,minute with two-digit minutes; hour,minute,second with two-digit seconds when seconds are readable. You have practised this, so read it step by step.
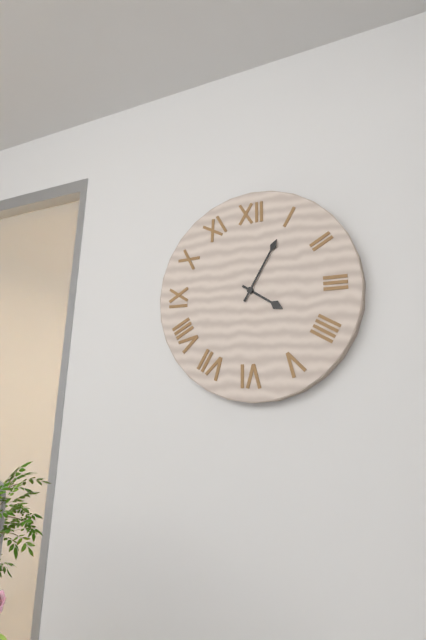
4,05
